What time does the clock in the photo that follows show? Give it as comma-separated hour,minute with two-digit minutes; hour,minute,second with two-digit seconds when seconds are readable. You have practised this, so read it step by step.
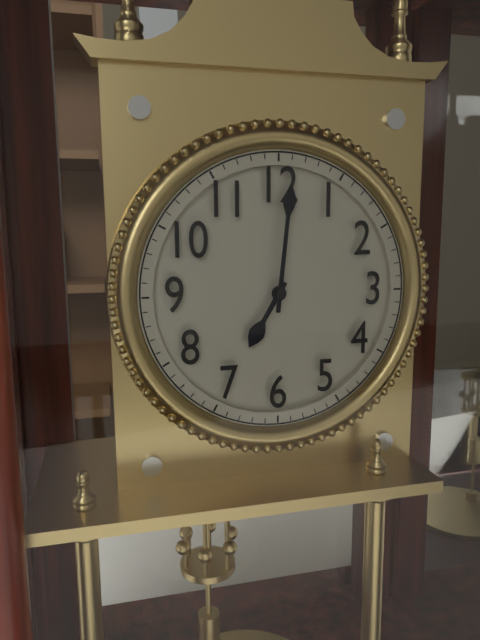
7,01
